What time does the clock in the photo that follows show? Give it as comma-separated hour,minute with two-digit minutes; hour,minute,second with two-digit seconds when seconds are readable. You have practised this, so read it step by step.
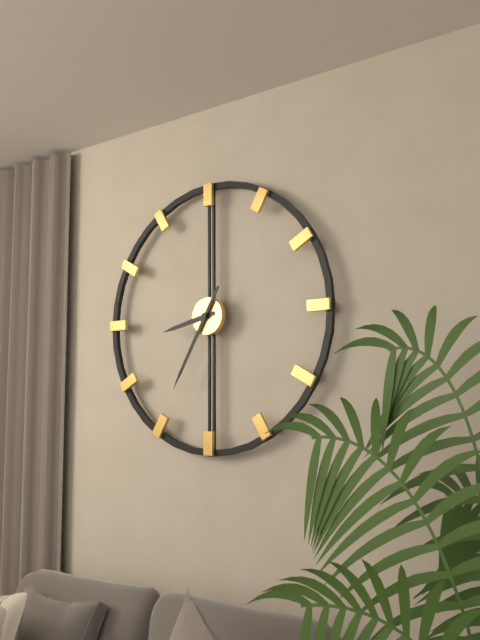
8,35
